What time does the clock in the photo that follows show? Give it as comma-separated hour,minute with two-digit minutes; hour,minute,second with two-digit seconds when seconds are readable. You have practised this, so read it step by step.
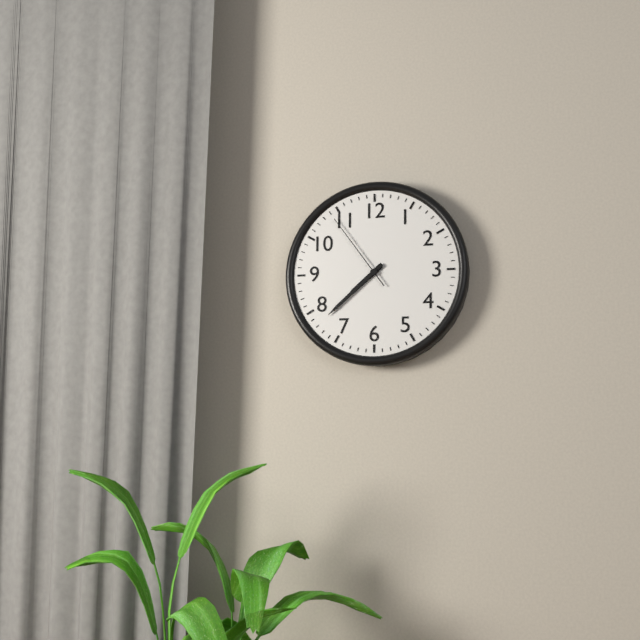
7,38,54
